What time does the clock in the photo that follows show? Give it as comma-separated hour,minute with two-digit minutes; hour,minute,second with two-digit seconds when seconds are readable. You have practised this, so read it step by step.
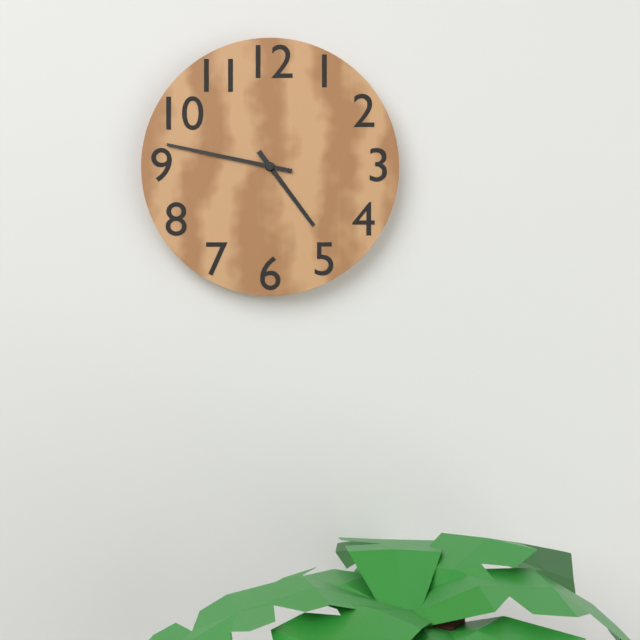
4,47
